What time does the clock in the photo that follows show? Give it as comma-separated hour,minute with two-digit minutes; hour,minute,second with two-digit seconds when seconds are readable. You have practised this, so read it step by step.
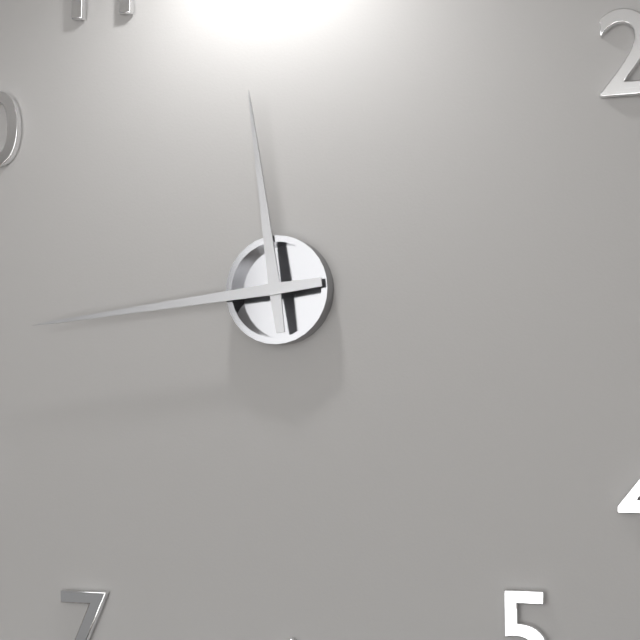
11,44
